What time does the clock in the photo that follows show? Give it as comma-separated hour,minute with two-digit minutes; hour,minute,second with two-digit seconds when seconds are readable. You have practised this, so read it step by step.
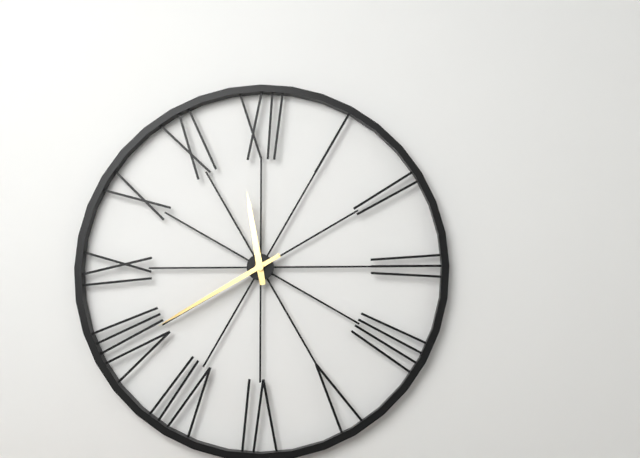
11,40
